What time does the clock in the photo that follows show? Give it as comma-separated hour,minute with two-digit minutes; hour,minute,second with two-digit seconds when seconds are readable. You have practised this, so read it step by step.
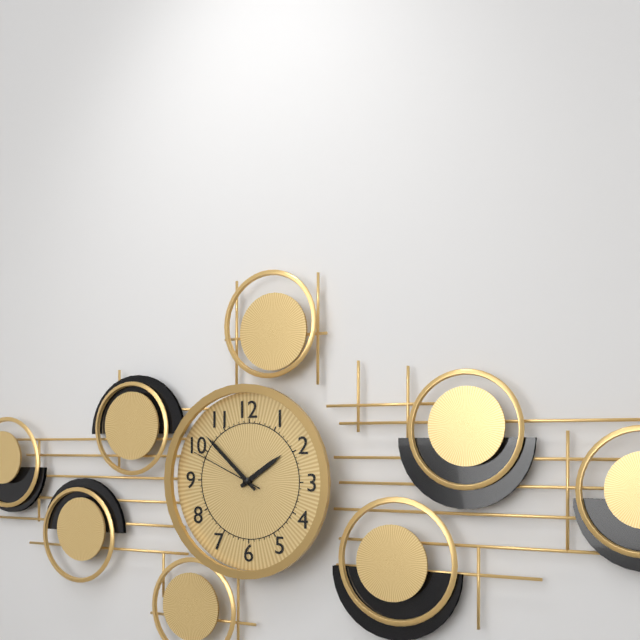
1,52,49
